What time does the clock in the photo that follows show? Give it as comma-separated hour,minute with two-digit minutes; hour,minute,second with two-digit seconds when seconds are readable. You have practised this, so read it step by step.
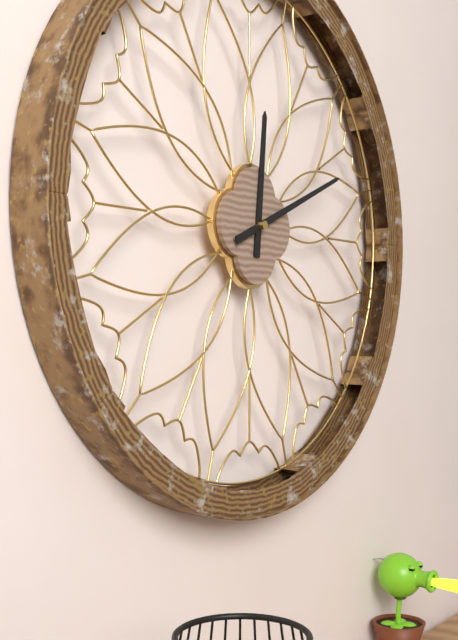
12,11
